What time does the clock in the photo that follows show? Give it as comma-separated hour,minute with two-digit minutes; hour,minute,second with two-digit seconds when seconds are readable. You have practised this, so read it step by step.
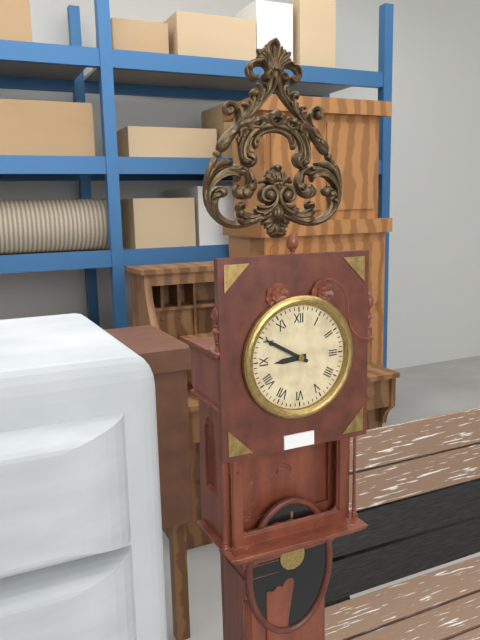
8,50
